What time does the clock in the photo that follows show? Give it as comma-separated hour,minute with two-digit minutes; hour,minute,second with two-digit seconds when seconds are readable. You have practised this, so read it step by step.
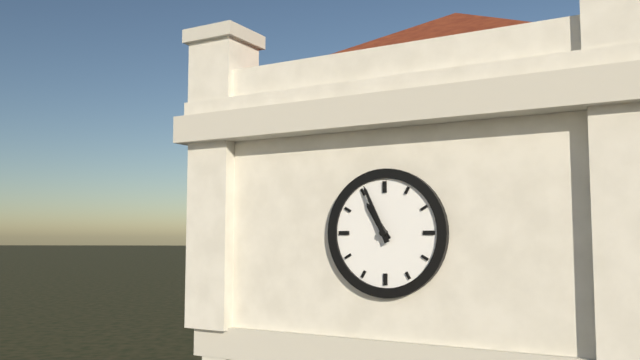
10,56
